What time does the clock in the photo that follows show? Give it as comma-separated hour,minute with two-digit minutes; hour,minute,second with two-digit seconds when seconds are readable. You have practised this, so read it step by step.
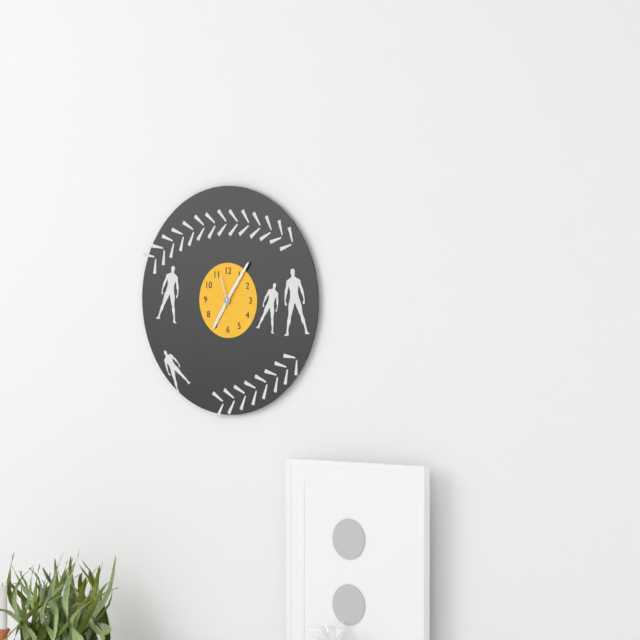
7,06
